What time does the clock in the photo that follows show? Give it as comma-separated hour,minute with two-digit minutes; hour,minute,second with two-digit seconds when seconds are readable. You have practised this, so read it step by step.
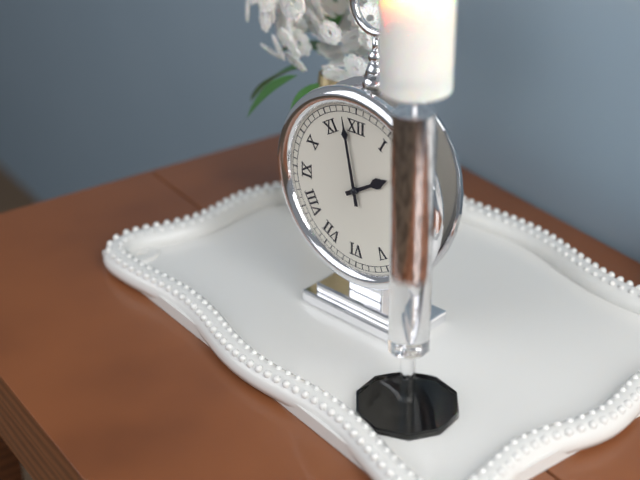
1,58
